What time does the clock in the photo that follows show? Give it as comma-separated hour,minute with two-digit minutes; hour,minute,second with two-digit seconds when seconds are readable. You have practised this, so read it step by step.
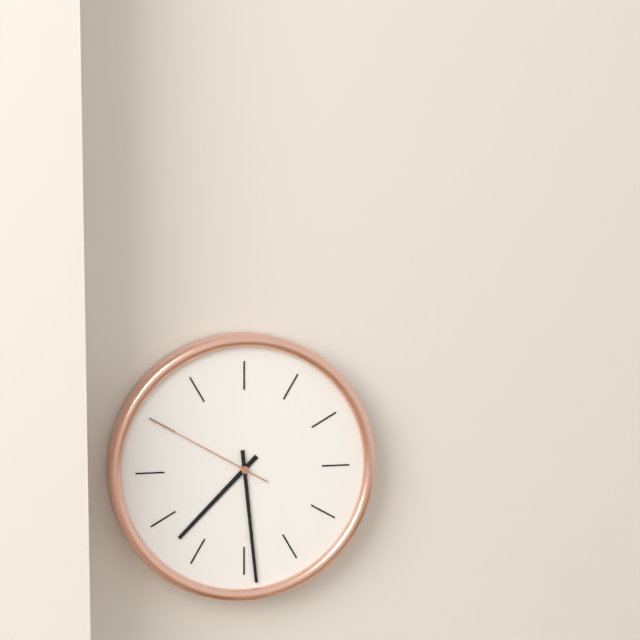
7,29,50
